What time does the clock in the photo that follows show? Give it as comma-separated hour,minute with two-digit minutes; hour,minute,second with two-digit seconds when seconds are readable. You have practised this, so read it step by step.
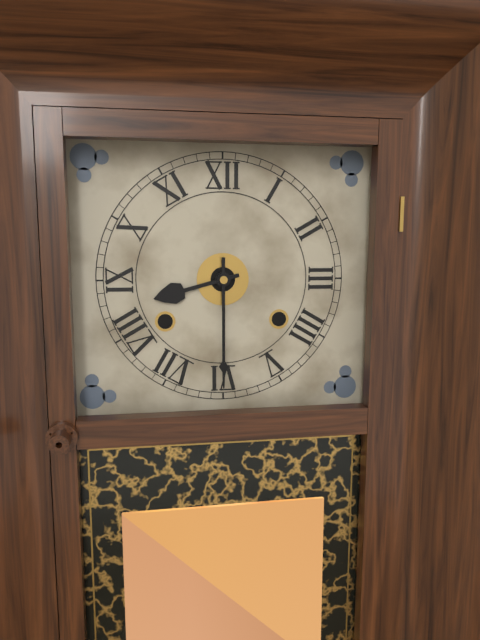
8,30
